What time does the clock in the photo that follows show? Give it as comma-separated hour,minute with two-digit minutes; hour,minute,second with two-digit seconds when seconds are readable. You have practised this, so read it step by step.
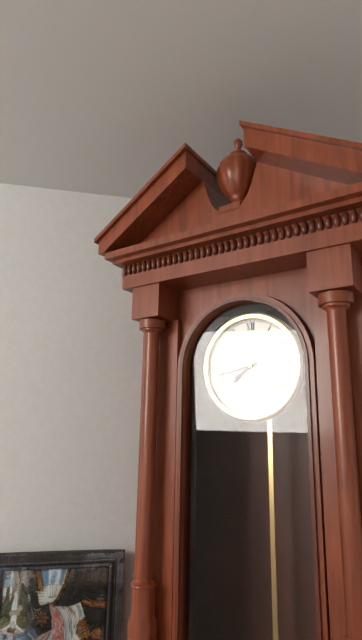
7,43
